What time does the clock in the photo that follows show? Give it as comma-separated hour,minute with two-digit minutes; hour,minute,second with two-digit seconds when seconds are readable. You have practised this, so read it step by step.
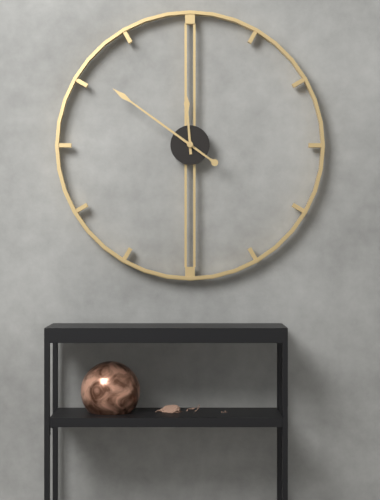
11,51
